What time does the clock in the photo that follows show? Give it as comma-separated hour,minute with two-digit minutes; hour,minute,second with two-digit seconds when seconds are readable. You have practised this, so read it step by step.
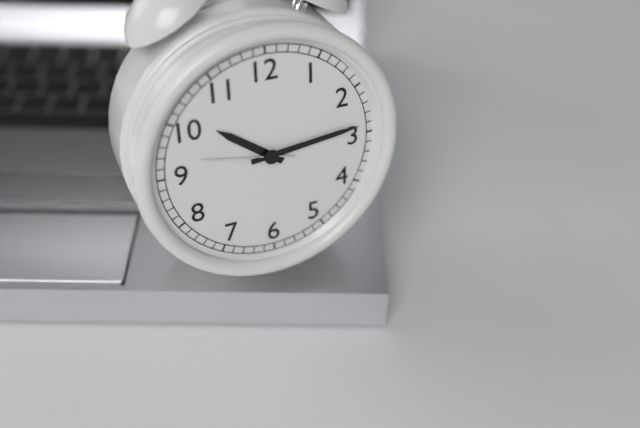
10,14,47
